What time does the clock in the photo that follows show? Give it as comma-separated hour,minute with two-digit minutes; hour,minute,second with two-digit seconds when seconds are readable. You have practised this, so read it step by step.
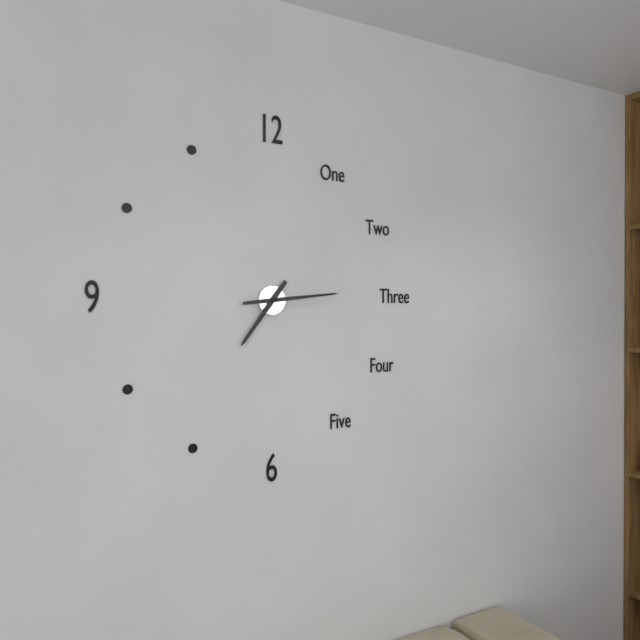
7,14
